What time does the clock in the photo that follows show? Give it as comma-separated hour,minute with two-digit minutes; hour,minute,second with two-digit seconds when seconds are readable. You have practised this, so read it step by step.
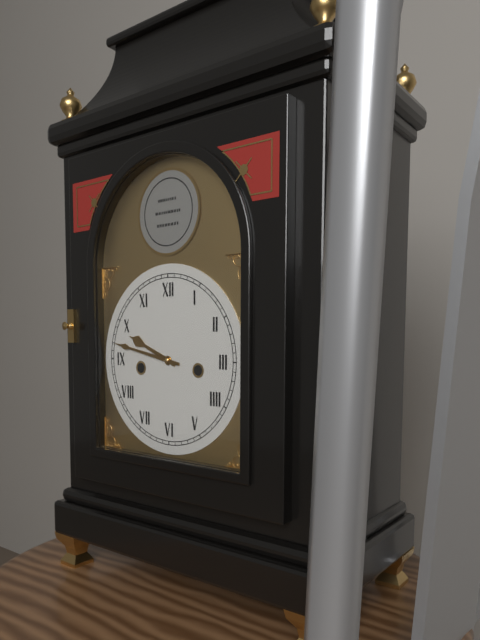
9,47
